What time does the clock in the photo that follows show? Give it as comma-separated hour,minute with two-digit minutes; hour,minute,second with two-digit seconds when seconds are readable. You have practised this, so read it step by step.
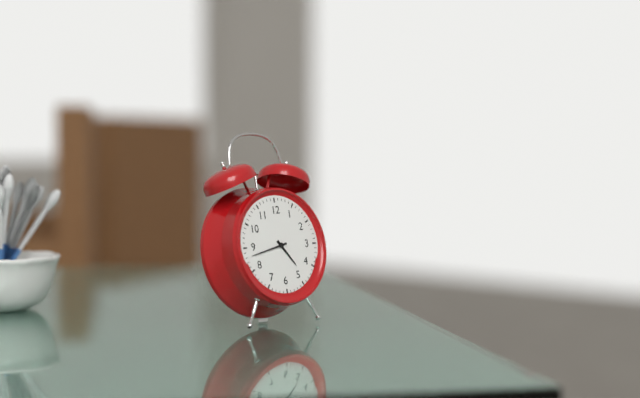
4,43
